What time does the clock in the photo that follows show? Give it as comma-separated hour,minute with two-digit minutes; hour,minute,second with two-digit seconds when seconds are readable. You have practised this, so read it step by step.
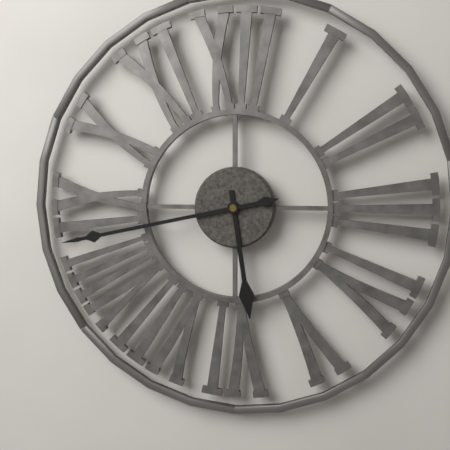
5,43
